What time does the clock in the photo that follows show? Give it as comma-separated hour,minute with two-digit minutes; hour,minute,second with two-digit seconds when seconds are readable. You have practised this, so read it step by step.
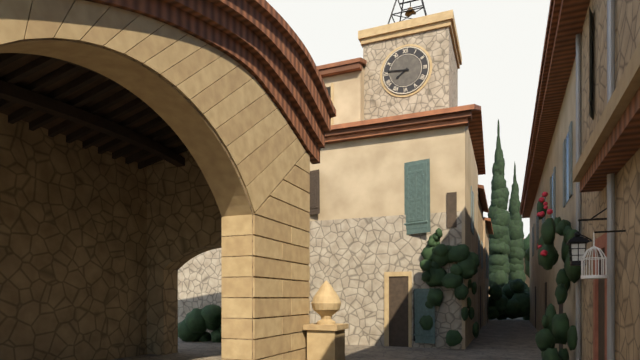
7,46
